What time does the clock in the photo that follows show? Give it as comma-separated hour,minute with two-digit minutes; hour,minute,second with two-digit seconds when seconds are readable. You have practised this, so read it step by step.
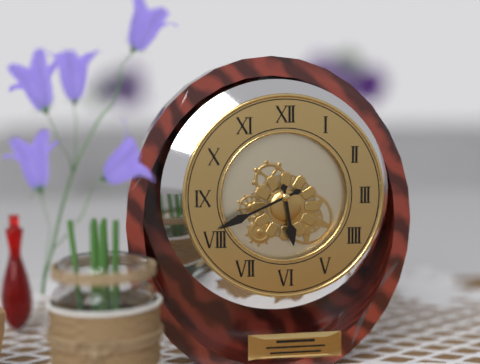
5,41
